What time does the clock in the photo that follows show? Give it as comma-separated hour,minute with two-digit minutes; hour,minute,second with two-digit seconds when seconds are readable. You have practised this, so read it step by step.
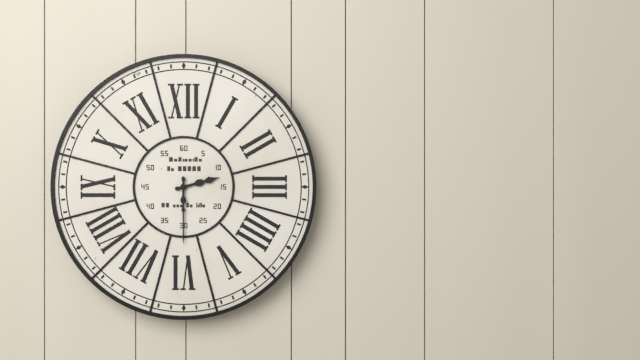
2,30
